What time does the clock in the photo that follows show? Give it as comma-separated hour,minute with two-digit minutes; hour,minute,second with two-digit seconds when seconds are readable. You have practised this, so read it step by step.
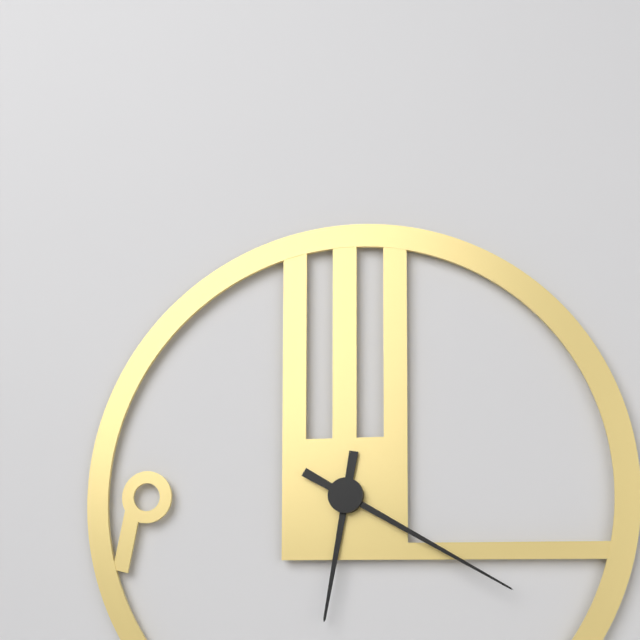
6,20
